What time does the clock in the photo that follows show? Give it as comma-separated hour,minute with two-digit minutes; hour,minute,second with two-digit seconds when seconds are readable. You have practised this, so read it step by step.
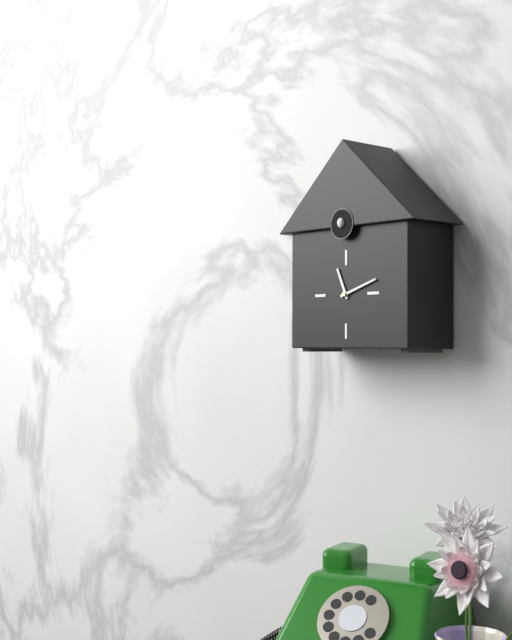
11,12
